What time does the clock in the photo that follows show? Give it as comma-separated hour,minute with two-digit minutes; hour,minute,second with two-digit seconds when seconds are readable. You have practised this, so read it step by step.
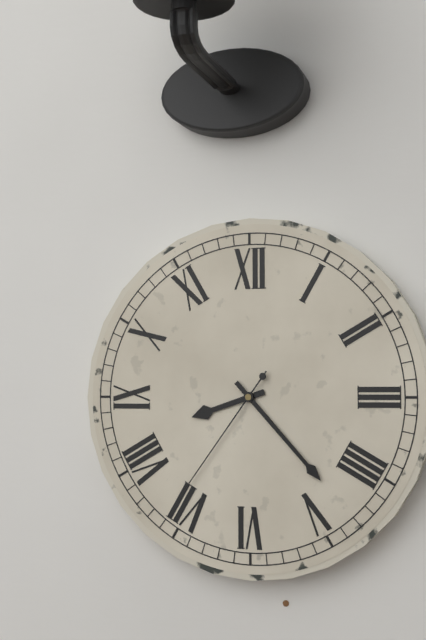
8,23,36
